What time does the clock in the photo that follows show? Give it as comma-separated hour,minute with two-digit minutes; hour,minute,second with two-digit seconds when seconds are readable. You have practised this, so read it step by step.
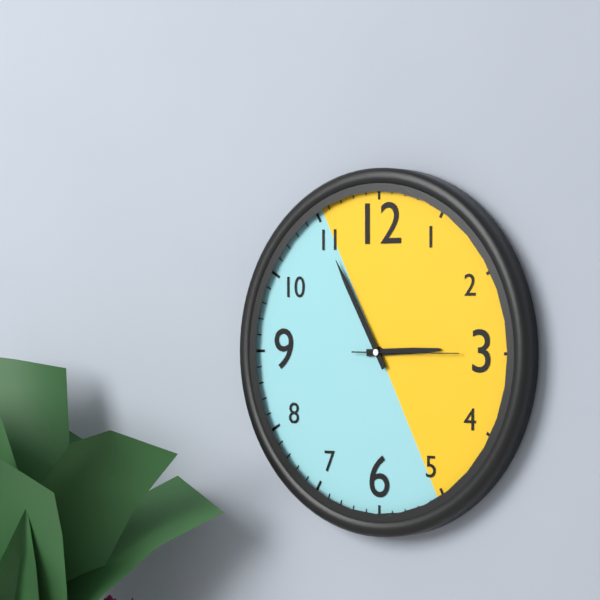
2,55,15
